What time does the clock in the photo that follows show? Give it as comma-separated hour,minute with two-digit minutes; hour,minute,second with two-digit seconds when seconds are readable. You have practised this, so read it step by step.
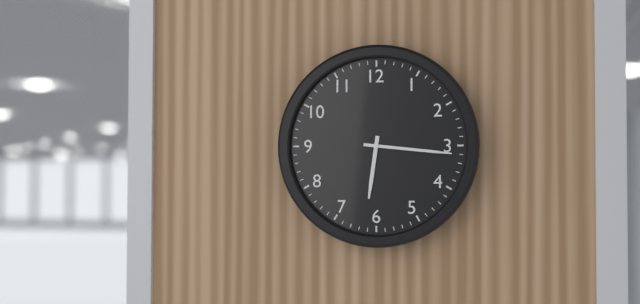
6,16
